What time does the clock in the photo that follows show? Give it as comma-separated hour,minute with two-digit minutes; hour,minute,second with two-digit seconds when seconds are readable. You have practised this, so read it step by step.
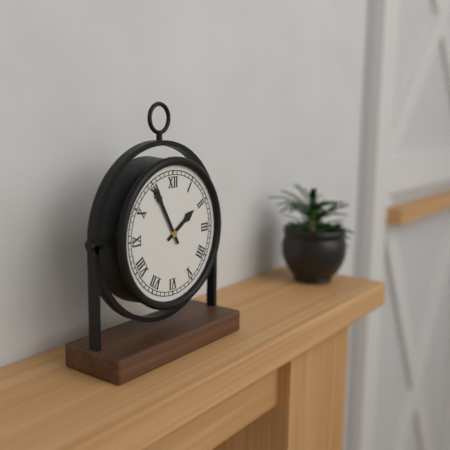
1,55
